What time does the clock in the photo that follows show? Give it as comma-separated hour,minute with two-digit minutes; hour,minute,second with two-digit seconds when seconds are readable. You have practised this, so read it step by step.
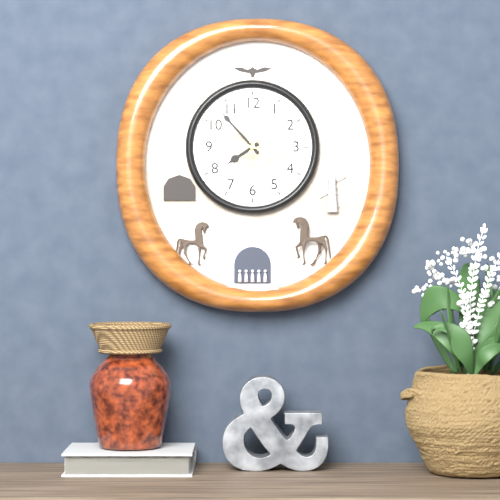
7,53
